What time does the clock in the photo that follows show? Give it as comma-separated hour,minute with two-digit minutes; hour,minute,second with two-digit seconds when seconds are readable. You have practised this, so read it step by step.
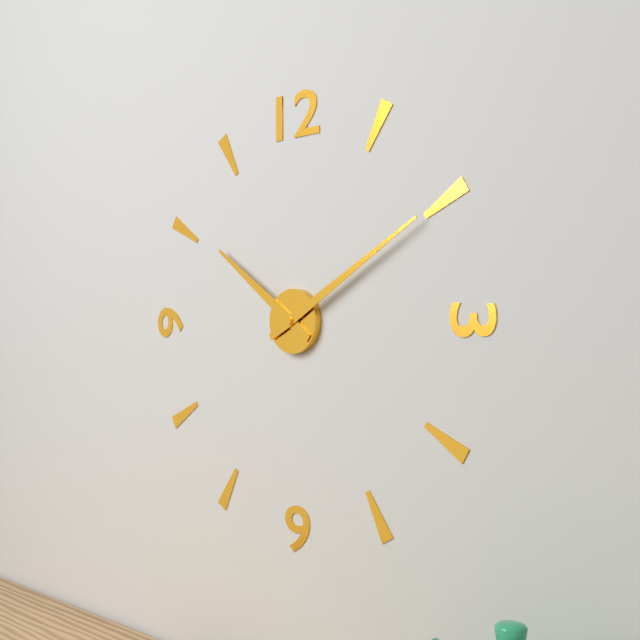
10,10
